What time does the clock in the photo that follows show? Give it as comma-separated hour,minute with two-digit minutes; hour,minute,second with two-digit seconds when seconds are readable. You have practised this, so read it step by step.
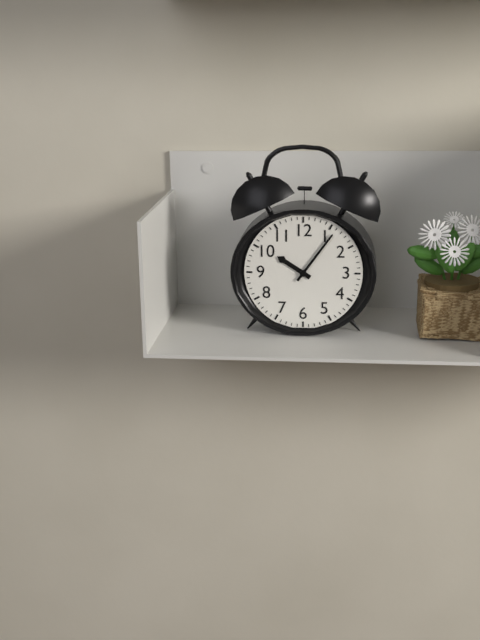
10,06
